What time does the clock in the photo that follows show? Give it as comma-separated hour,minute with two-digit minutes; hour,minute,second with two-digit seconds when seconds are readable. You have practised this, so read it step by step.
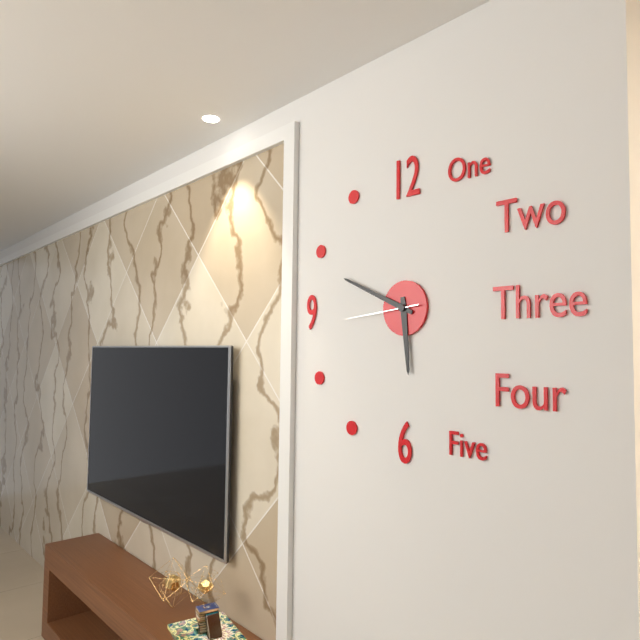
5,49,44
